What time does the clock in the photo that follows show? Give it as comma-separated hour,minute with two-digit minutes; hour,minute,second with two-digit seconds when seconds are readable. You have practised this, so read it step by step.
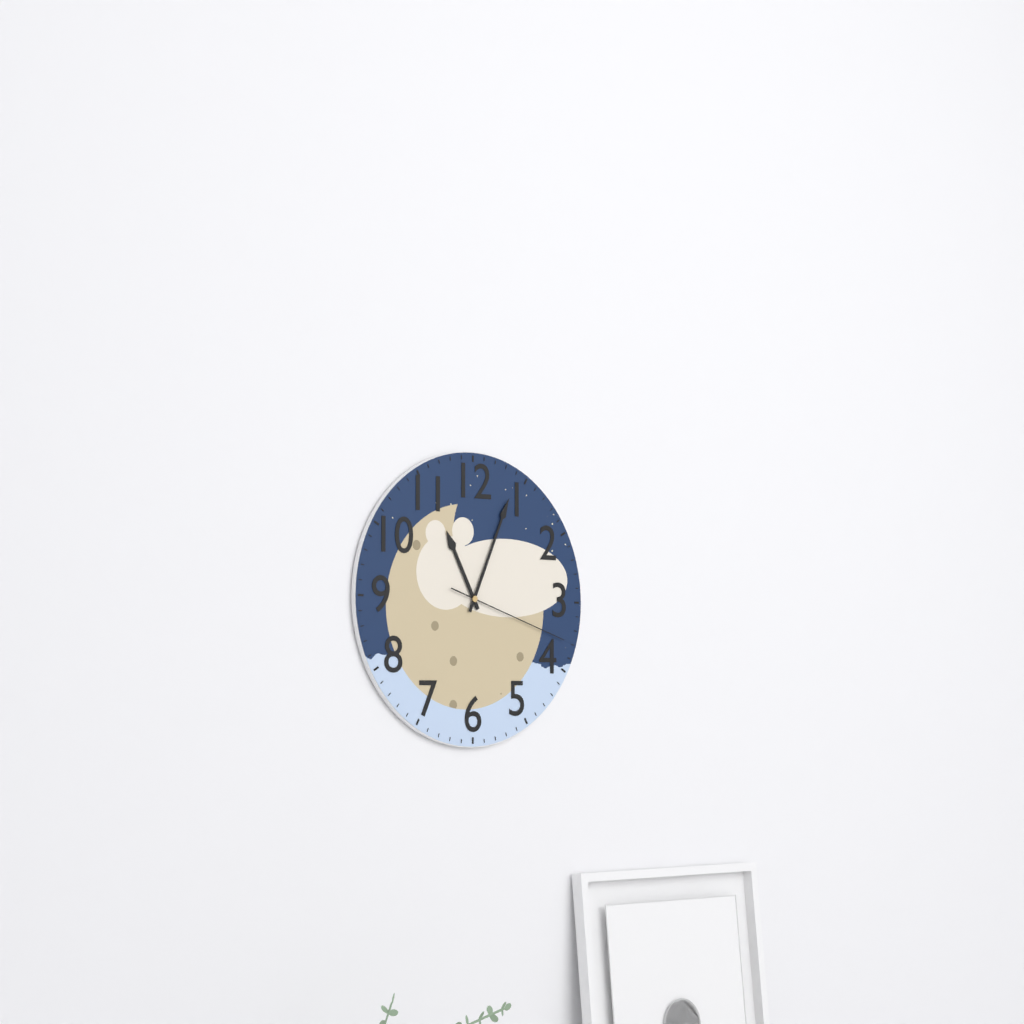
11,04,18
